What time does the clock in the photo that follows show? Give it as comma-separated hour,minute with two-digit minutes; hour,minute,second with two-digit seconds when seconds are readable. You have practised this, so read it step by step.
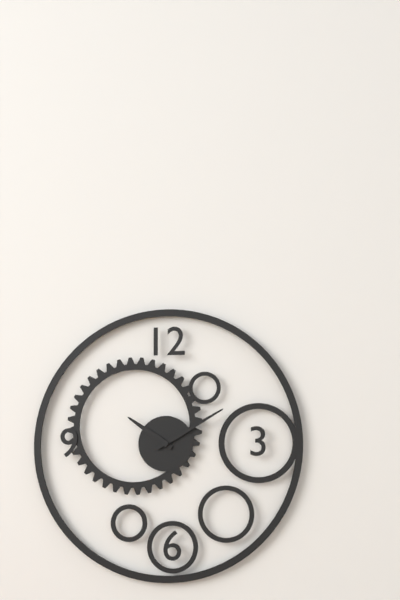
10,10
